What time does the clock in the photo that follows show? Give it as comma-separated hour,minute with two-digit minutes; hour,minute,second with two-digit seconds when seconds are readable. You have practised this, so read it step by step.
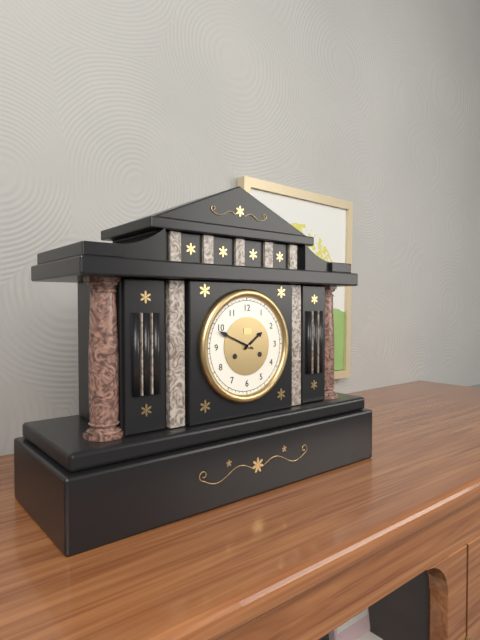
1,49
